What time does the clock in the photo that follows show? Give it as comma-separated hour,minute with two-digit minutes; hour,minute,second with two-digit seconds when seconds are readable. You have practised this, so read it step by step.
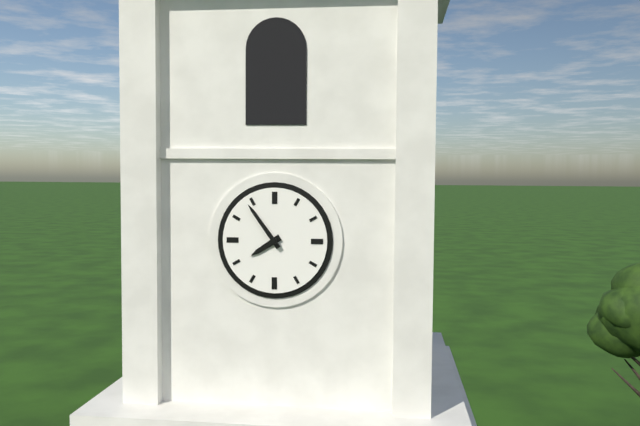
7,54
